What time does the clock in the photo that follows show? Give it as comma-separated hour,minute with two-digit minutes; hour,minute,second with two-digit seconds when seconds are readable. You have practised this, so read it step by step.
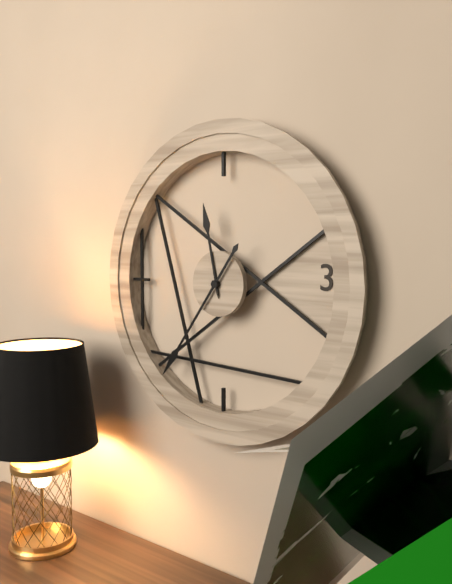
11,36
